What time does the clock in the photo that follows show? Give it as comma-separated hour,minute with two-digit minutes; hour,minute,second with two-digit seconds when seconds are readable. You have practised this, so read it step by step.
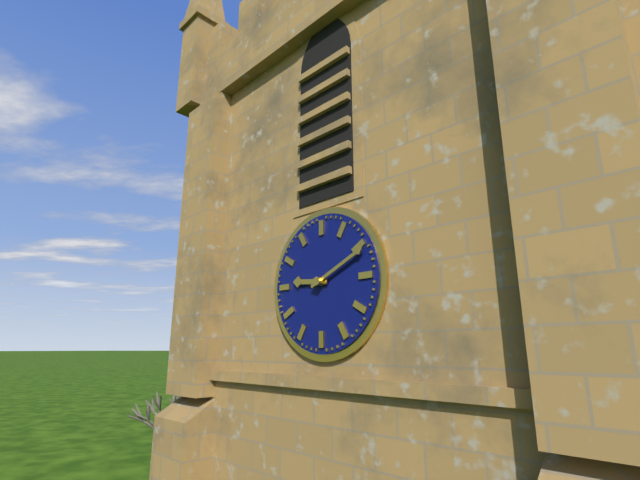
9,11
